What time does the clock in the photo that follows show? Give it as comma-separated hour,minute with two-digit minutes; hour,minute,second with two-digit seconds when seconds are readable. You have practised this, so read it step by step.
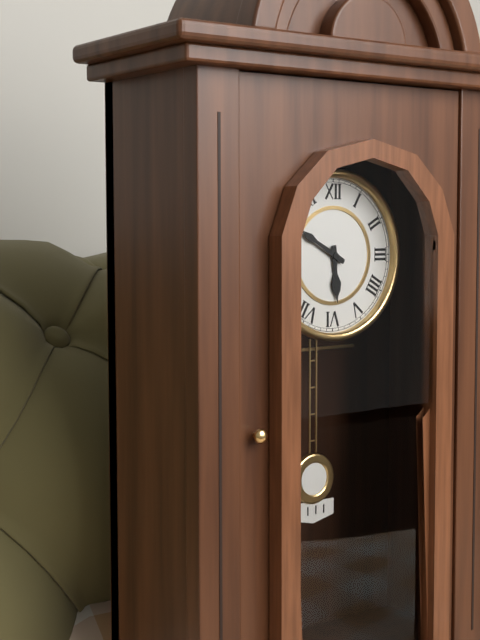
5,50
